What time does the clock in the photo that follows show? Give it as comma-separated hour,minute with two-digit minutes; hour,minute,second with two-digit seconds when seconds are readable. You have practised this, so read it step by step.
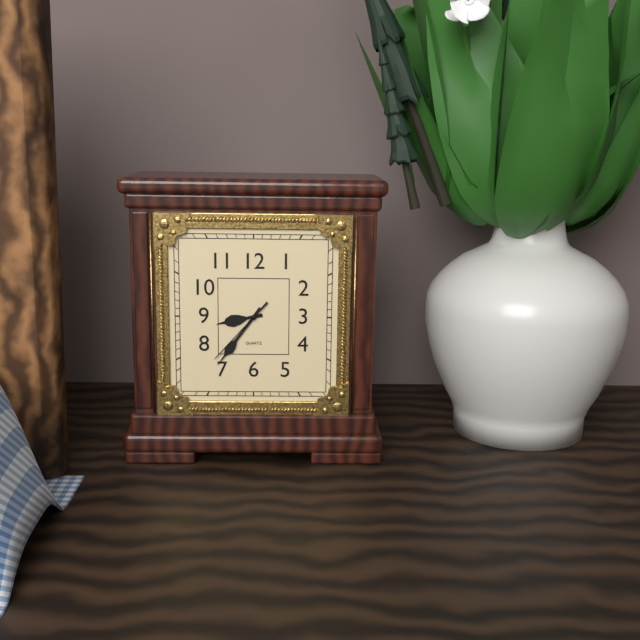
8,36,37
